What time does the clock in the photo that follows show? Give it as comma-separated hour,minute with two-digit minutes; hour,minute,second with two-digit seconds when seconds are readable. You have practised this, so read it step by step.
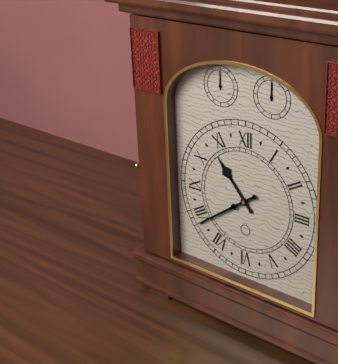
10,39
